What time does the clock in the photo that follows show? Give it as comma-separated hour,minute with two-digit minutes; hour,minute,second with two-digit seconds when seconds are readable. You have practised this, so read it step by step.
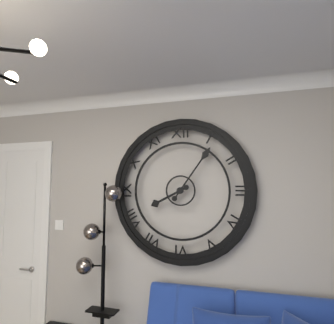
8,06
